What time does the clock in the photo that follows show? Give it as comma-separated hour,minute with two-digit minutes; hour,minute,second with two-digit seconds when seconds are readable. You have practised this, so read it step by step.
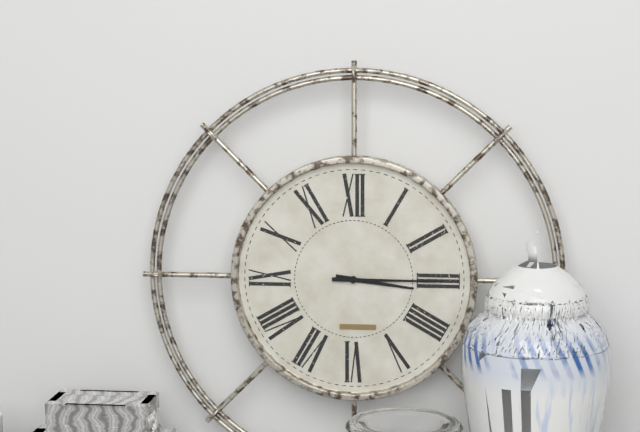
3,15
